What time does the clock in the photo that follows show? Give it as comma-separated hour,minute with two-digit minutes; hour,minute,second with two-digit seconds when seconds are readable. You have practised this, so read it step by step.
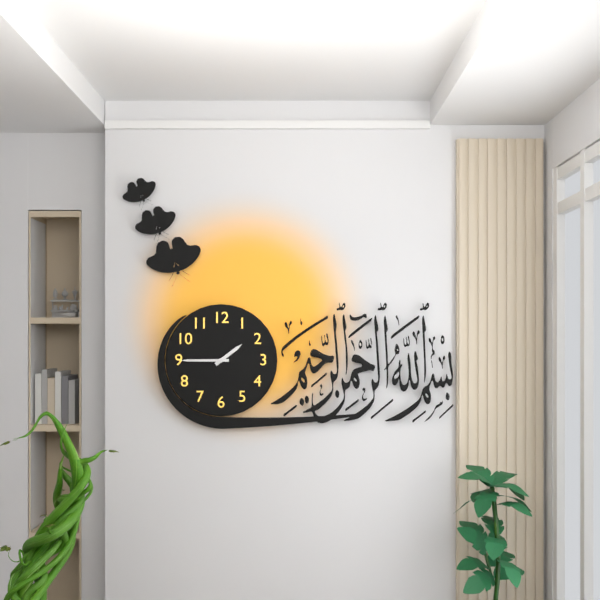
1,45
